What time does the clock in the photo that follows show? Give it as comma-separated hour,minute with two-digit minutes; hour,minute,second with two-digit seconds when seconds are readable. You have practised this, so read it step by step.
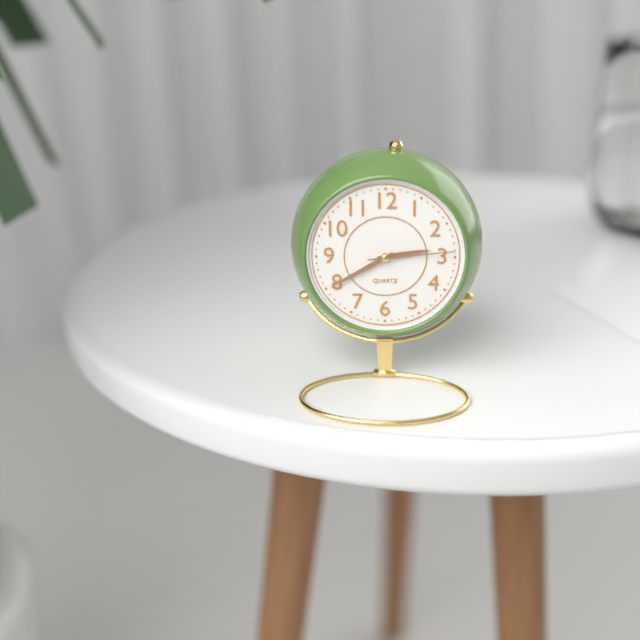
2,40,14
